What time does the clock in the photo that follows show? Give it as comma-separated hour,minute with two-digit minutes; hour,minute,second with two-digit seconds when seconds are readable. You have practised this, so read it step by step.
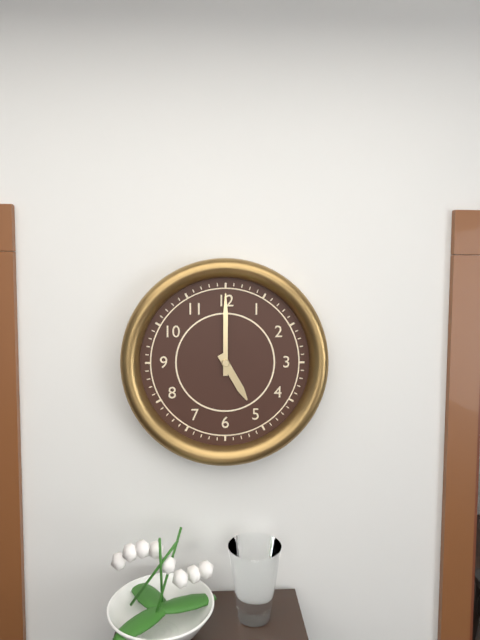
5,00
